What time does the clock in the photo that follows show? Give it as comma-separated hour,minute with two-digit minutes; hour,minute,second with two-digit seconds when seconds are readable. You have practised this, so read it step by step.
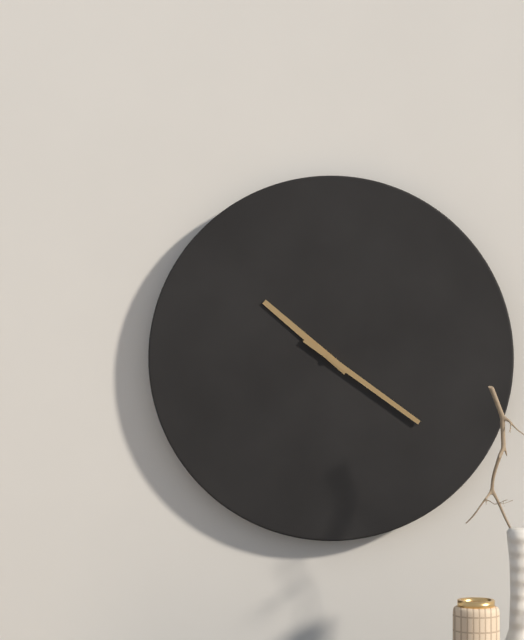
10,21
